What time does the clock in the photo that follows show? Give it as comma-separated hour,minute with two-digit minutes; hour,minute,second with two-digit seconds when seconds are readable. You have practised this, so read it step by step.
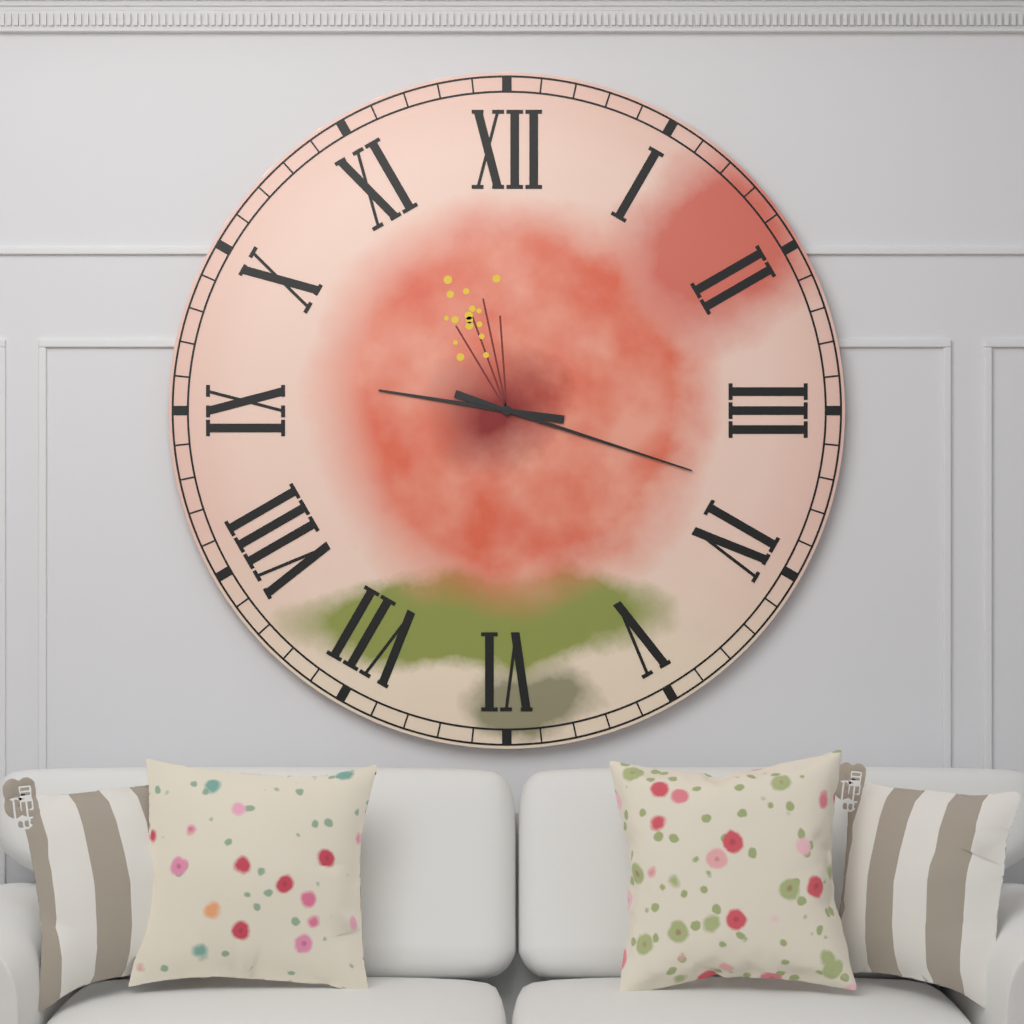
9,18
